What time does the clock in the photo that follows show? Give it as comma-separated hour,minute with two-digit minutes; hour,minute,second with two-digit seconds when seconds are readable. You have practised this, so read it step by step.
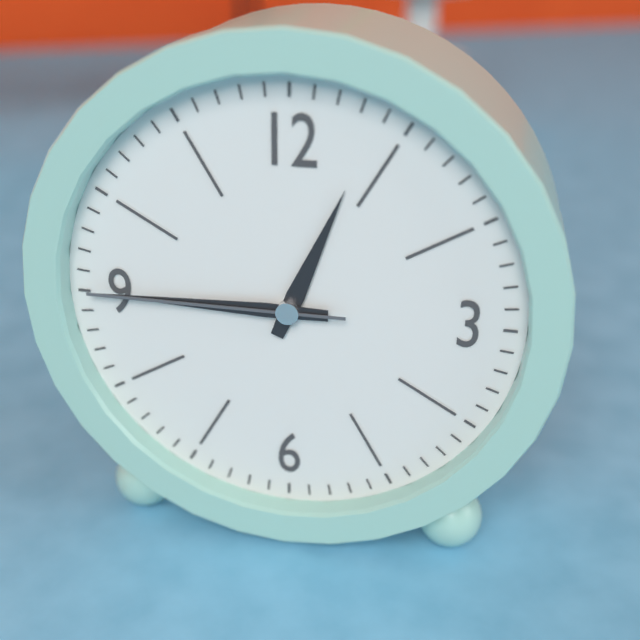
12,45,45
